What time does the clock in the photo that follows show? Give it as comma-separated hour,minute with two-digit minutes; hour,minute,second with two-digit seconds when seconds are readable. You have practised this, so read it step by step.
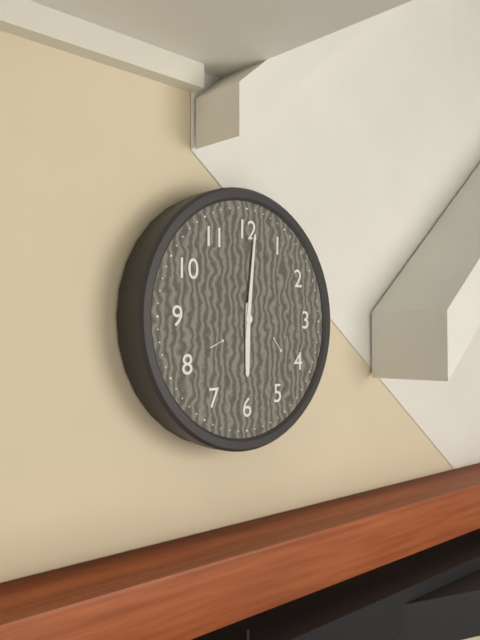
6,01
